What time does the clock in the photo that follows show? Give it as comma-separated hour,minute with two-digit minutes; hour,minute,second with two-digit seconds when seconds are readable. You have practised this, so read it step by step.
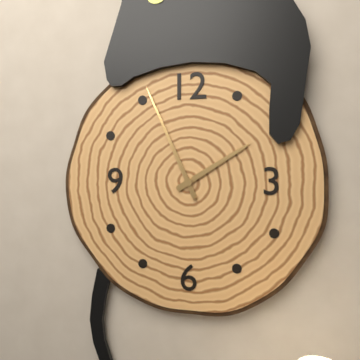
1,56
